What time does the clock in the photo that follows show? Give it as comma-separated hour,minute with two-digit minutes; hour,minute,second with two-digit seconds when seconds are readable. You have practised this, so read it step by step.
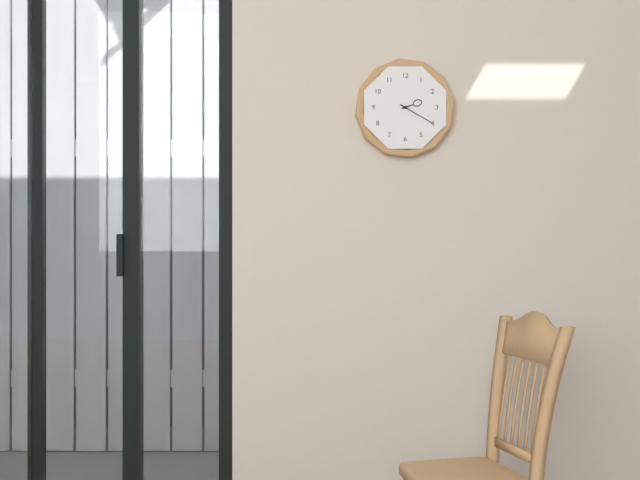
2,20
